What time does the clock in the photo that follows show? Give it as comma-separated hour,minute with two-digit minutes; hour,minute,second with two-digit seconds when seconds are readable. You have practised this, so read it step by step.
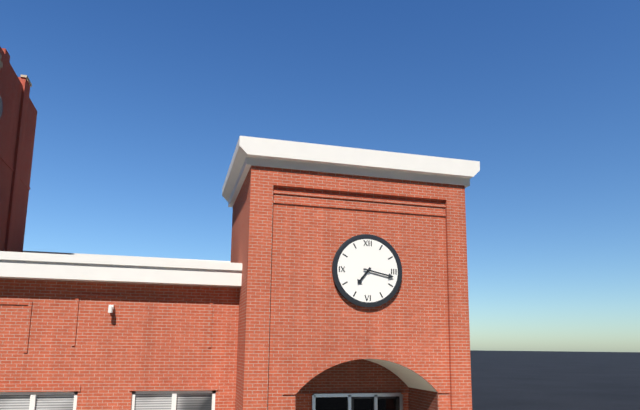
7,17
